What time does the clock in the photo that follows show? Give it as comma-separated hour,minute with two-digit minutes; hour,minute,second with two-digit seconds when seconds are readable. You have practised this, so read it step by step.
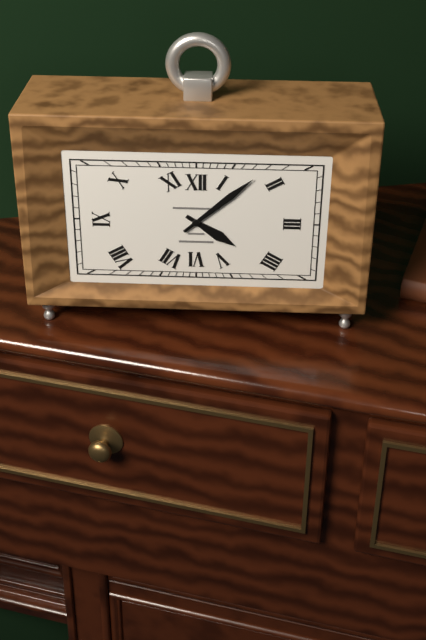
4,08
